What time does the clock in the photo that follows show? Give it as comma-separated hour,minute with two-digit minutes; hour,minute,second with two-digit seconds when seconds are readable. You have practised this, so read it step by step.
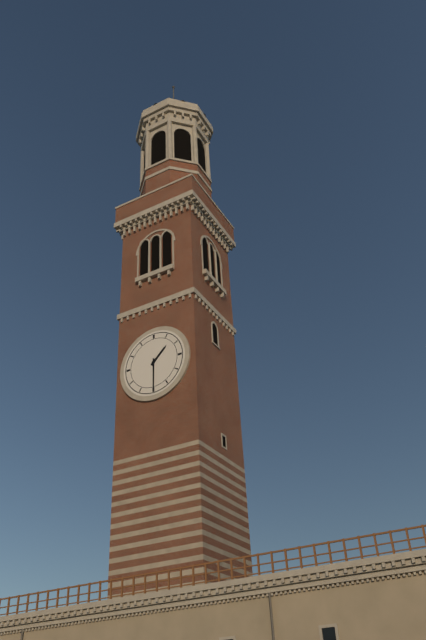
1,30
